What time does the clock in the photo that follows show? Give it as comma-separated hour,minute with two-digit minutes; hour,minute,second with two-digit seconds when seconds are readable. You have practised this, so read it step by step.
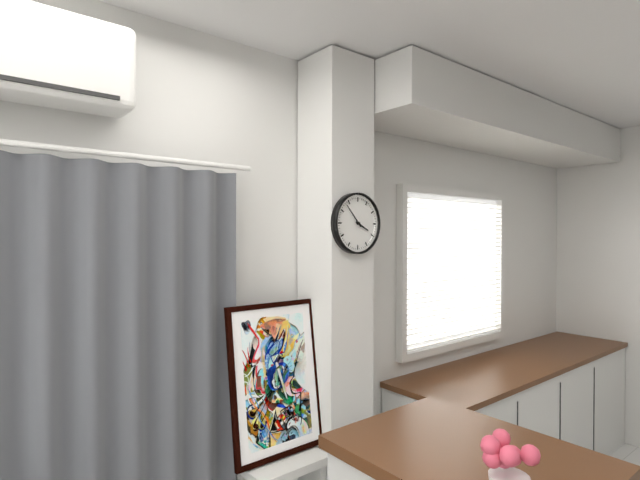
3,53
